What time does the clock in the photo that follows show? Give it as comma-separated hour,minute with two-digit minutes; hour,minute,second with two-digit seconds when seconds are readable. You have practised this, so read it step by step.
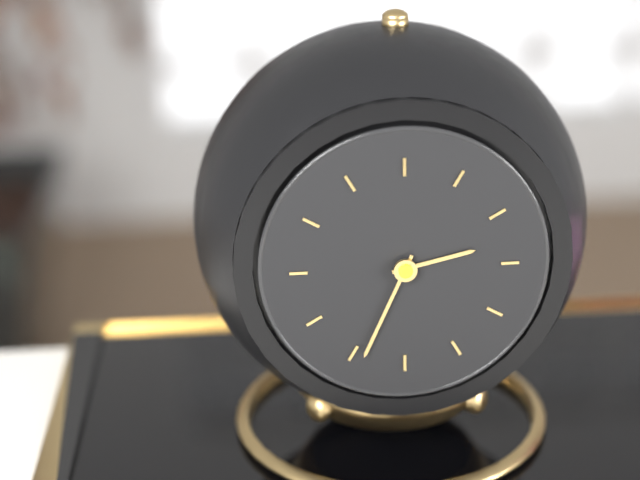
2,34
